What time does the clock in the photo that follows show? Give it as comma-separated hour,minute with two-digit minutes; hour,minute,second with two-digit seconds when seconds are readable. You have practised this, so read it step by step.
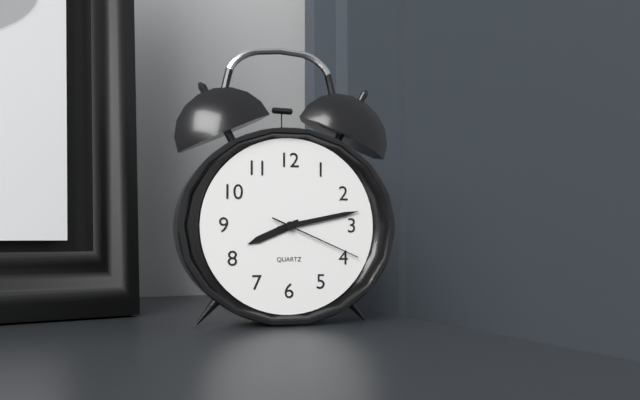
8,13,19
